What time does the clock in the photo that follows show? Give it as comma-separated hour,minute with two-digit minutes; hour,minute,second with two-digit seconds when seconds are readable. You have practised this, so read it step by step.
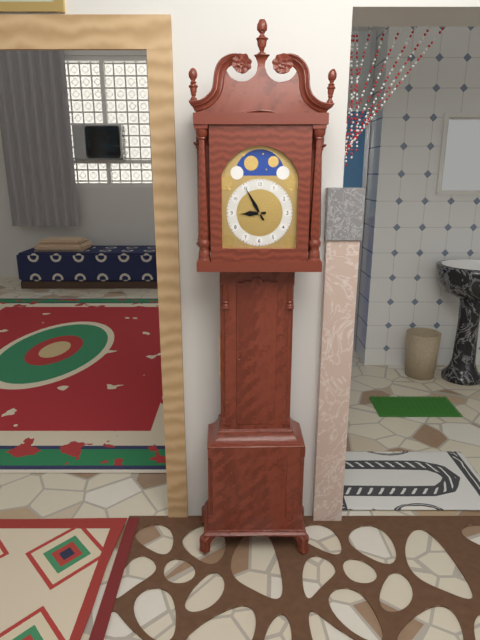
8,55
